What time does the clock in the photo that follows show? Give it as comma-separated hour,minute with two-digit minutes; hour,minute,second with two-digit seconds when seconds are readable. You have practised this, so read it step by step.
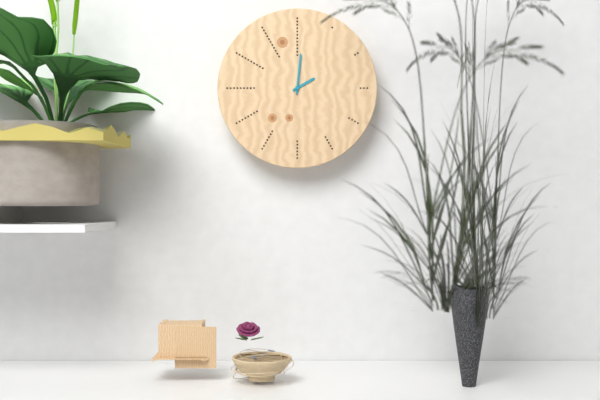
2,01
